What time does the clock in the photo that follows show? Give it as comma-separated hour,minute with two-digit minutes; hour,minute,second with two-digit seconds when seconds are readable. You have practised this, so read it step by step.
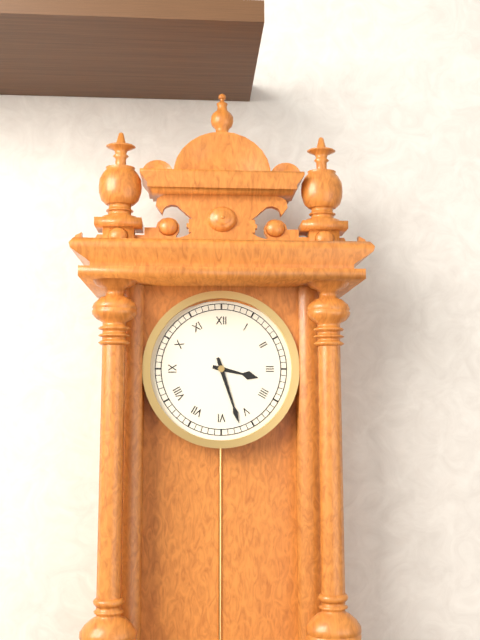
3,27
